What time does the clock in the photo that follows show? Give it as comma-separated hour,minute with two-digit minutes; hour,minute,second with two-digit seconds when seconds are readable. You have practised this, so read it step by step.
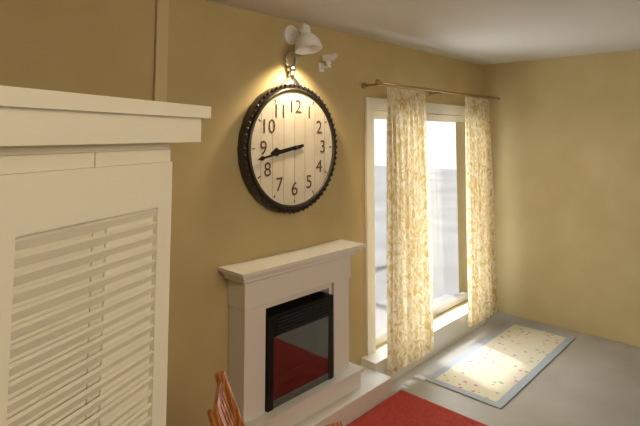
8,43
